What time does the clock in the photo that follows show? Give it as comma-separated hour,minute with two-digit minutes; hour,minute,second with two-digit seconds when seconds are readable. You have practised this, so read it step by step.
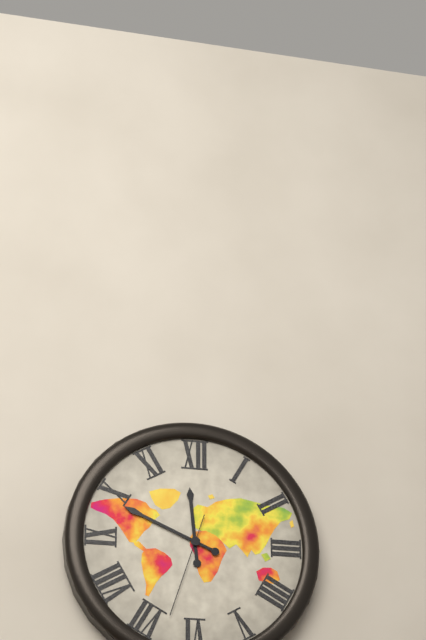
11,49,33
